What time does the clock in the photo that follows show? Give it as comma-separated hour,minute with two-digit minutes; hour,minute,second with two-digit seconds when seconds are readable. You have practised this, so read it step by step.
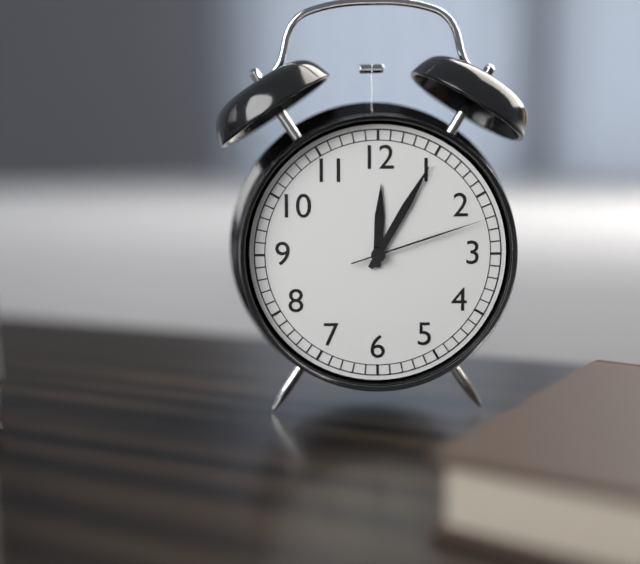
12,05,12
